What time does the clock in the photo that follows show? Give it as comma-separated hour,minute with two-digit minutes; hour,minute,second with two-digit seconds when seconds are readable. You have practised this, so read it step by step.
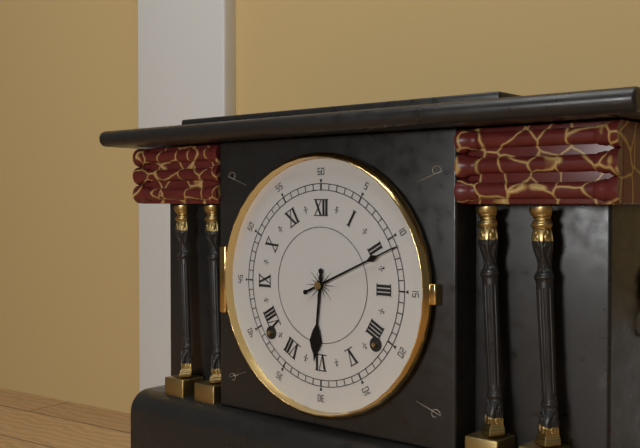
6,11
